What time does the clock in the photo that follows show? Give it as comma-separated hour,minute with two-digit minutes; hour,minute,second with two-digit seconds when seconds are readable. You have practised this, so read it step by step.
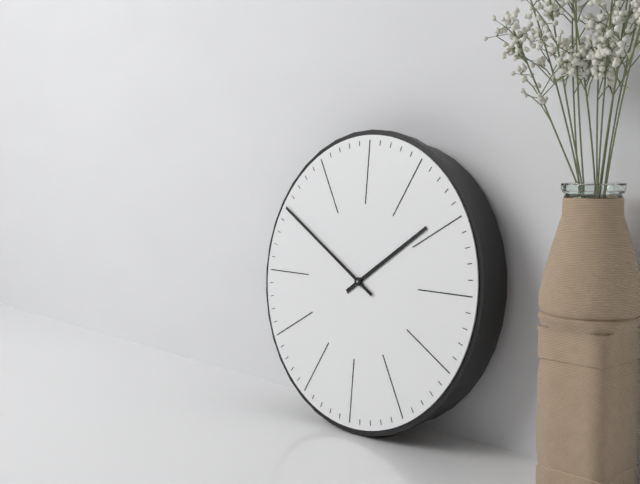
1,50
